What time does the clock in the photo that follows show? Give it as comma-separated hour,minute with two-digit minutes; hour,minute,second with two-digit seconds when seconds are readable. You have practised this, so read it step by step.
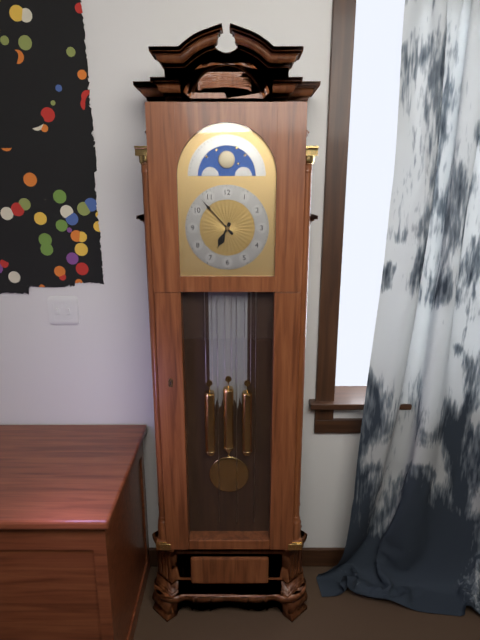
6,53
